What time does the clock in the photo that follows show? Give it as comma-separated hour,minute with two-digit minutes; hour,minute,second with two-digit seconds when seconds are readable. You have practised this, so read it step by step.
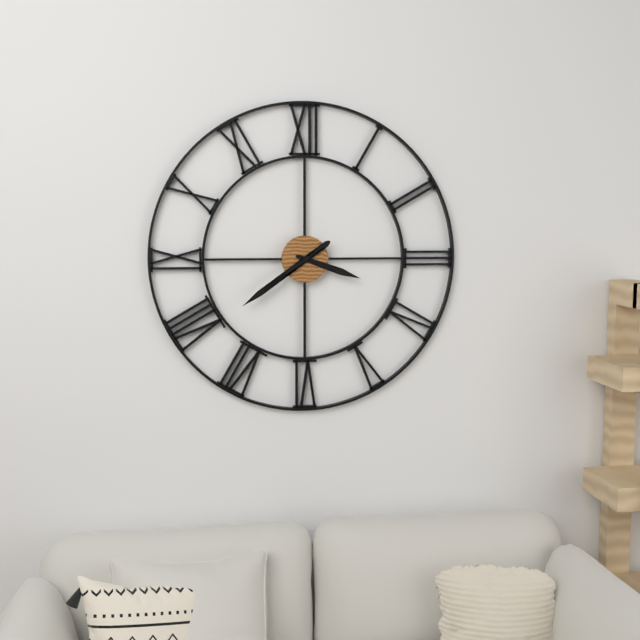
3,39
